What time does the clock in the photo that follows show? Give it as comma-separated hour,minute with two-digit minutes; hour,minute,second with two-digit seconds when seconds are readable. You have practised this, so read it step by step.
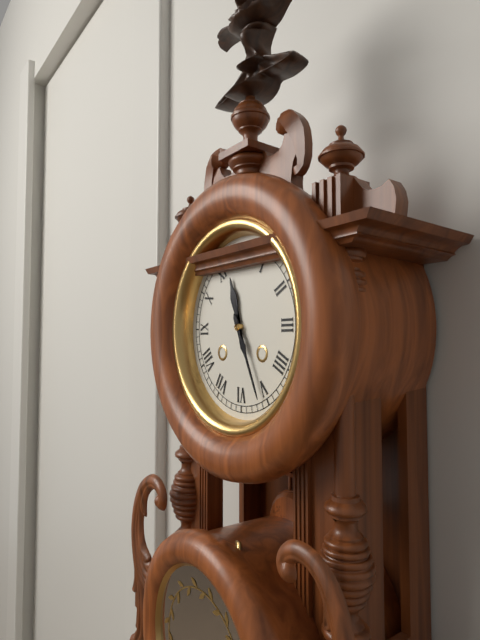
11,26
